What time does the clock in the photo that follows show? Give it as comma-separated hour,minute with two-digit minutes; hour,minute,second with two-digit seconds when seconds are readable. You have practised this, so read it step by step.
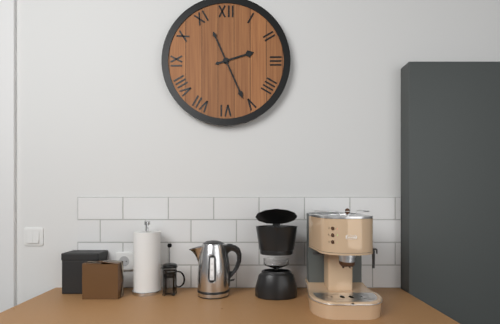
2,26
